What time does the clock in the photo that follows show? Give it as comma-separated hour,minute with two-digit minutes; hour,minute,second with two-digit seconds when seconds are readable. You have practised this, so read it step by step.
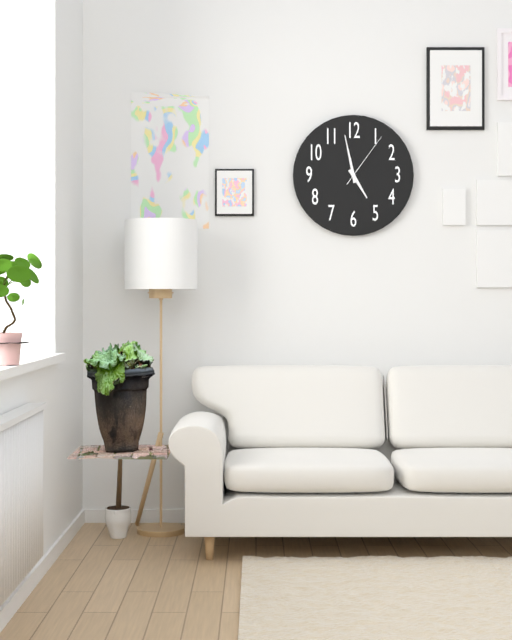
4,58,06
